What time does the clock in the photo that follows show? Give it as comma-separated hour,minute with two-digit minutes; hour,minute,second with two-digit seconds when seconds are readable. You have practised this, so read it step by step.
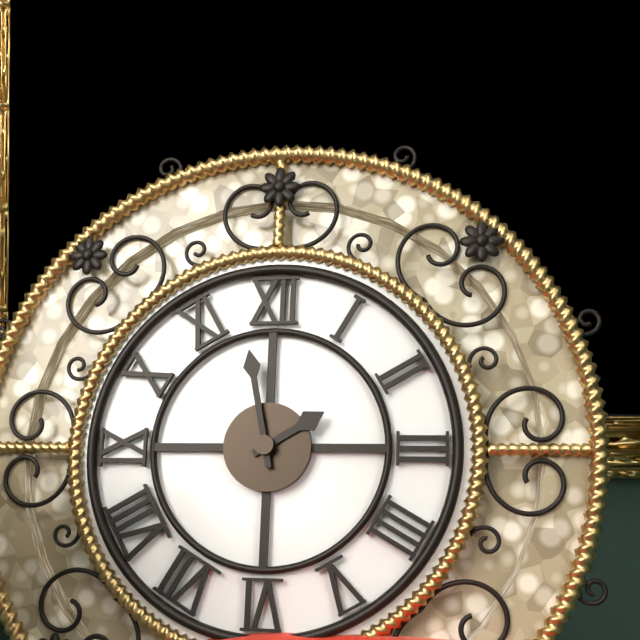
1,58
